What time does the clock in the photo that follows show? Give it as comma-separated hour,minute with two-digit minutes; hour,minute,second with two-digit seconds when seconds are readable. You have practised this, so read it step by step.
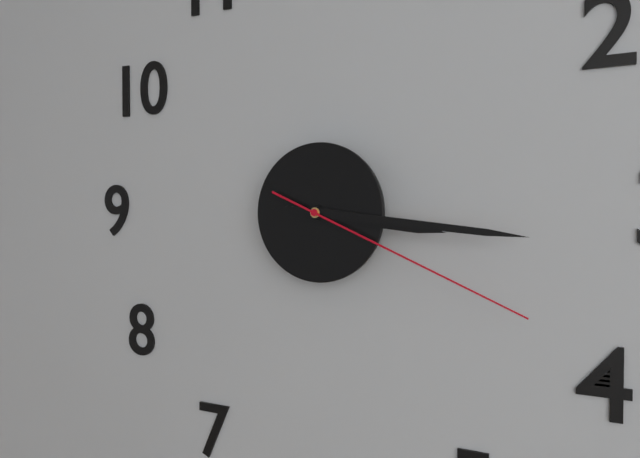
3,16,19
